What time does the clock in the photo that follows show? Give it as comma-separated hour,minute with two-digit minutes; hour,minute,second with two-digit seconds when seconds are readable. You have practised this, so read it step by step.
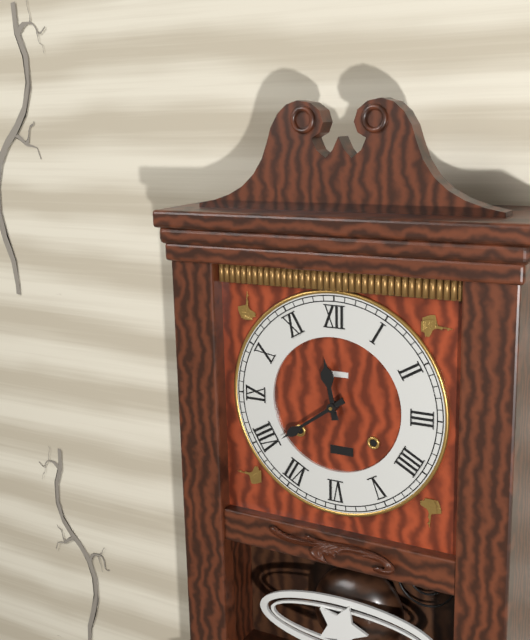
11,39
